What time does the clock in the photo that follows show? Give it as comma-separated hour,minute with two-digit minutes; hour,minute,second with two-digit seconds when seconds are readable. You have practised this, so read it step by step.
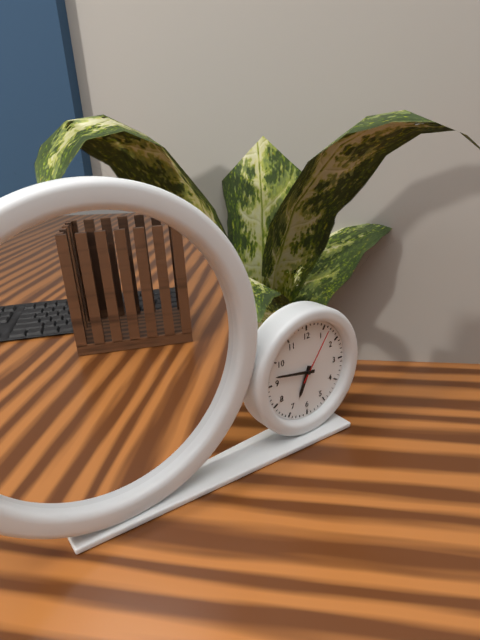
6,47,06
